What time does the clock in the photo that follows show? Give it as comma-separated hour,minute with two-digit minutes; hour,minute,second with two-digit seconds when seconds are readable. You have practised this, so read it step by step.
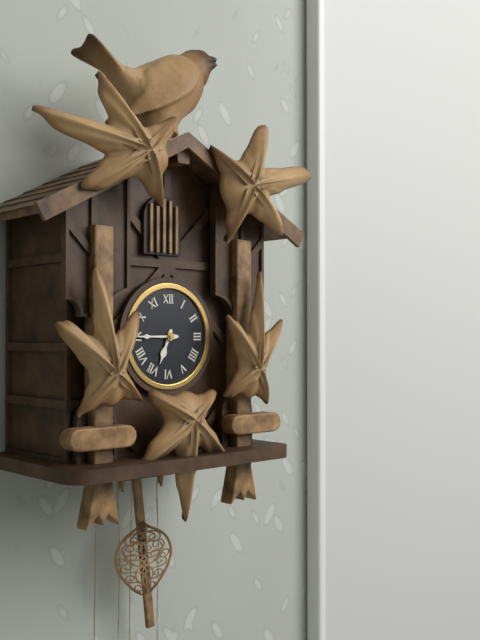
6,45
